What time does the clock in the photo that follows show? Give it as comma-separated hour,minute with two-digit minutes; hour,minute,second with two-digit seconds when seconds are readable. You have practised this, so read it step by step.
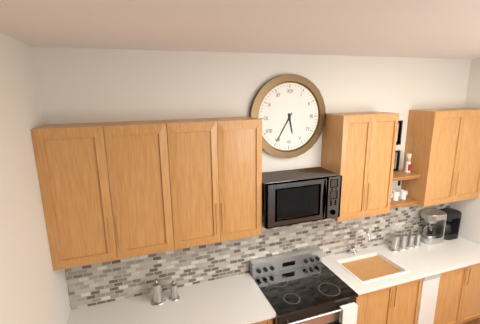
5,35
